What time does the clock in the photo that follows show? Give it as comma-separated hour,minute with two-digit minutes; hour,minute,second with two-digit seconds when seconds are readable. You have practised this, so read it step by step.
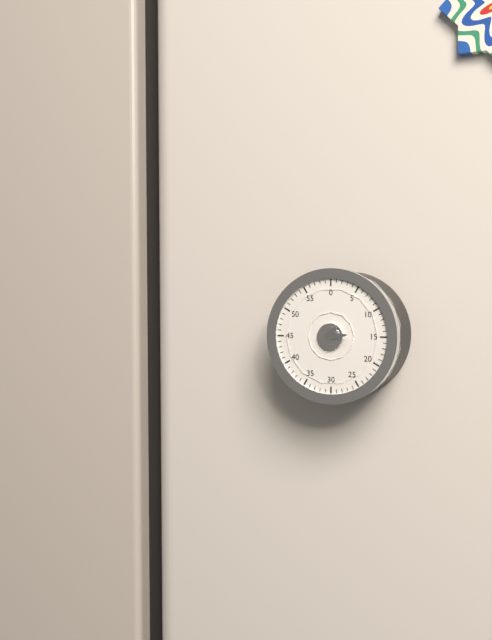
1,14
